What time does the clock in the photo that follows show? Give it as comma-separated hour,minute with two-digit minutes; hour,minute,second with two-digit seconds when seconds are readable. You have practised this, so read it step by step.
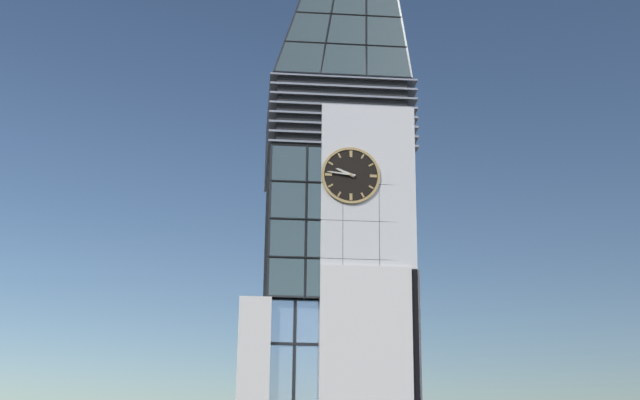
9,46
